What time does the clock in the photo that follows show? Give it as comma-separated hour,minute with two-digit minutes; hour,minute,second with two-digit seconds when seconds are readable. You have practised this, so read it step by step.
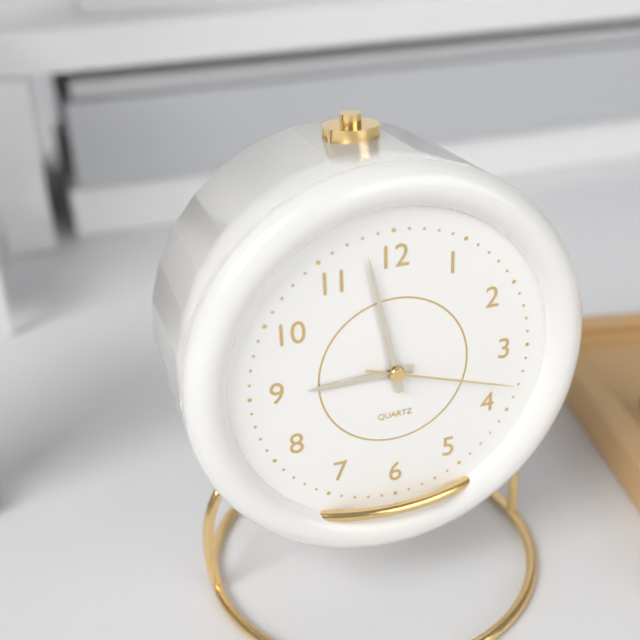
8,58,18
